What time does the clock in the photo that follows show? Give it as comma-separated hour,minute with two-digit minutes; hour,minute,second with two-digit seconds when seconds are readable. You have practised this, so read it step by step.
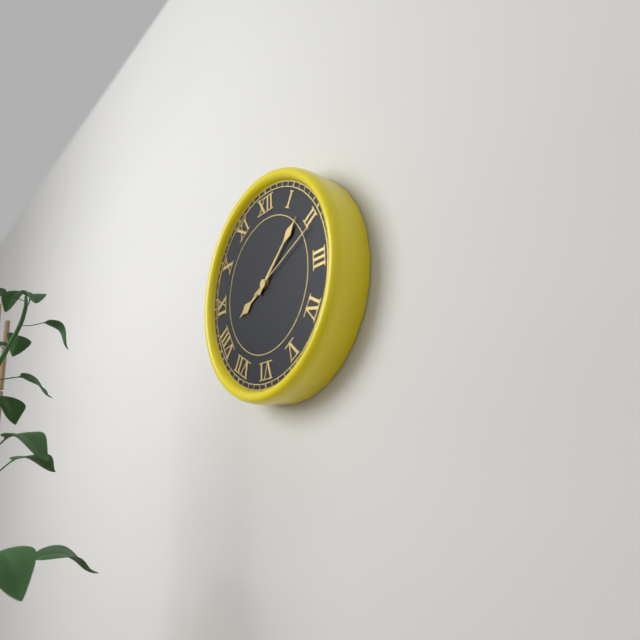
8,08,11
